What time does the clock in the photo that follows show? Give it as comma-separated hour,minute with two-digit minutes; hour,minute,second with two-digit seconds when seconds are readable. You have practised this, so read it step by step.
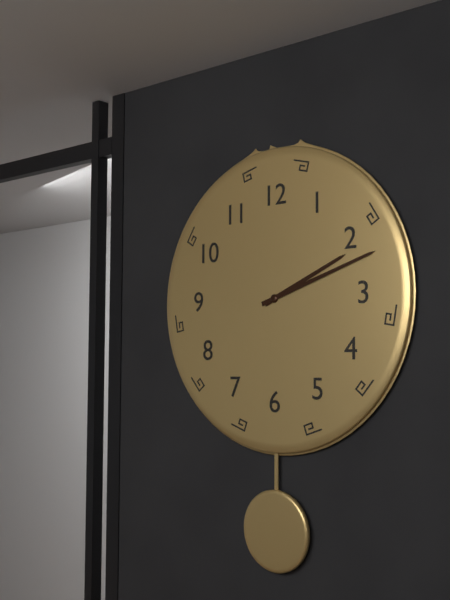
2,12
